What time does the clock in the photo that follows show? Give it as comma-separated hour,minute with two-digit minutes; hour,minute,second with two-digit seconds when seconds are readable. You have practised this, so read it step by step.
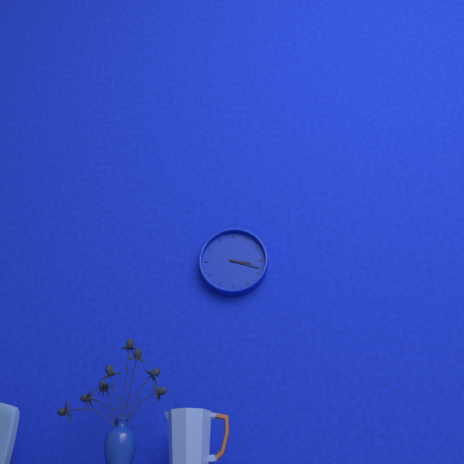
3,18
